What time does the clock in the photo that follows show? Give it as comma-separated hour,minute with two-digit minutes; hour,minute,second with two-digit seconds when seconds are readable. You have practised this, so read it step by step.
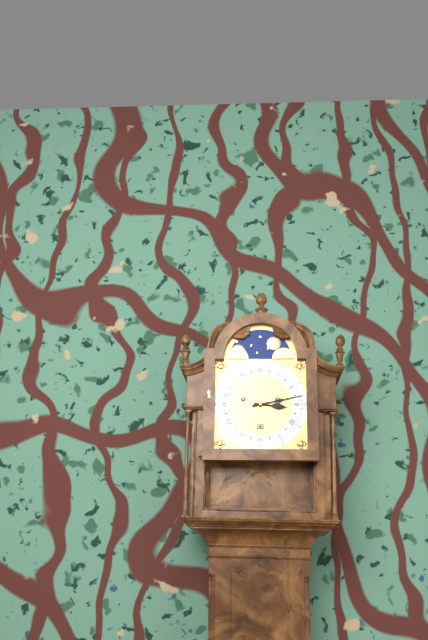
3,13
